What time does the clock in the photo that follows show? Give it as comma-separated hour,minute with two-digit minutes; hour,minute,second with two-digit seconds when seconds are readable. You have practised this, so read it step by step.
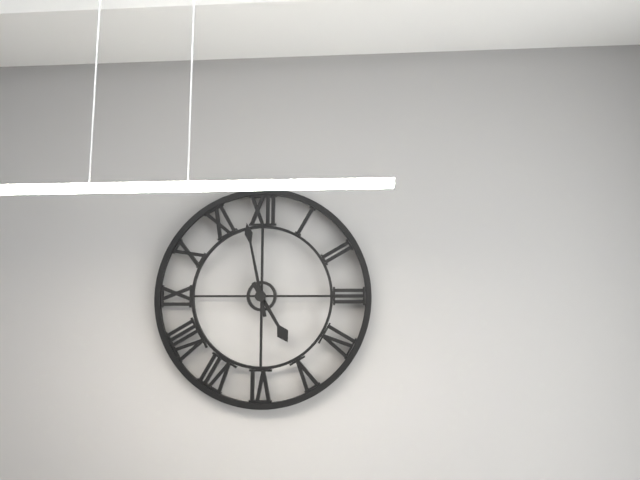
4,58
